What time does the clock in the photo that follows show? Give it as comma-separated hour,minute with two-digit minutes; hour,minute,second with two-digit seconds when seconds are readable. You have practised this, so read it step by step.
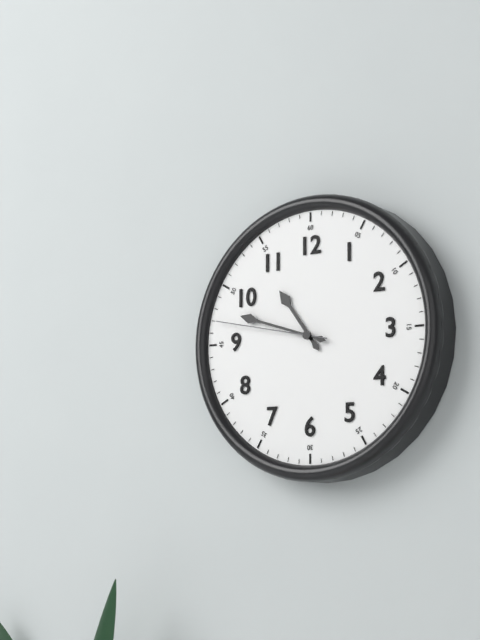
10,48,47
